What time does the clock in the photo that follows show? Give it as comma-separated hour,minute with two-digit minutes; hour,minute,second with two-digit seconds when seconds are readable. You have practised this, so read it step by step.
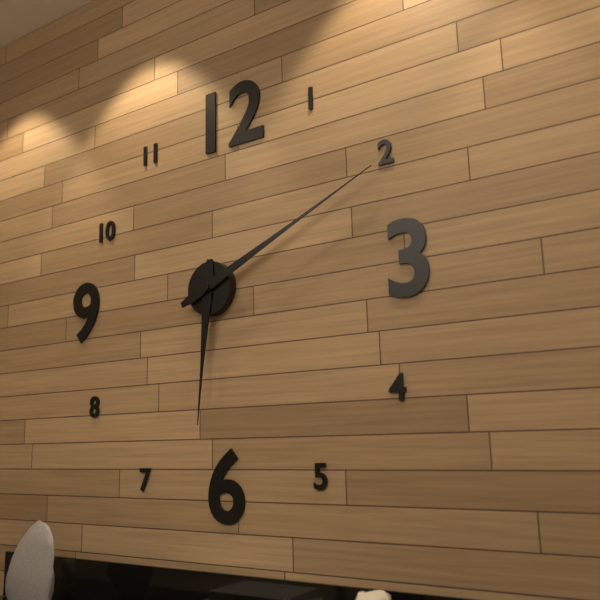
6,11
